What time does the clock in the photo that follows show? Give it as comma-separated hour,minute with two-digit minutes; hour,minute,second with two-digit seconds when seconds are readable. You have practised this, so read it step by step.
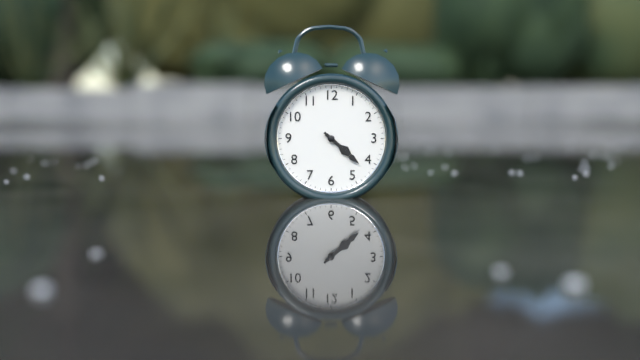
4,22
